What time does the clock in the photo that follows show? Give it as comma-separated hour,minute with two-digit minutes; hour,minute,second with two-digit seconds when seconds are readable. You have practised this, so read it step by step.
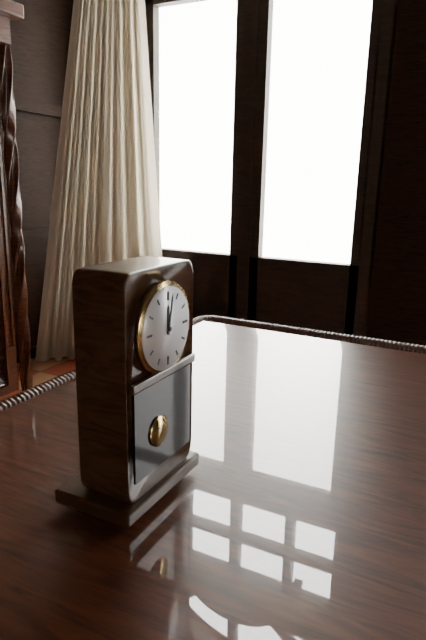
12,02
